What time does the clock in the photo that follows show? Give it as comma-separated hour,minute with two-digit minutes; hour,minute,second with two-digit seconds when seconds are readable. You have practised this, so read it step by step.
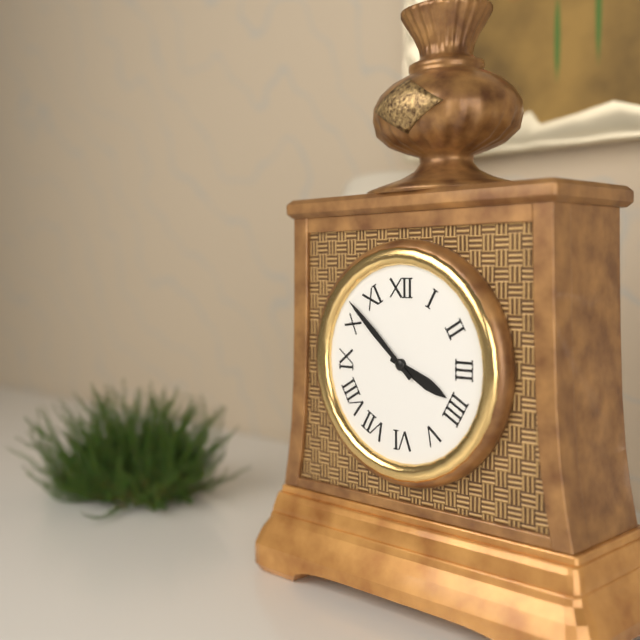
3,52
